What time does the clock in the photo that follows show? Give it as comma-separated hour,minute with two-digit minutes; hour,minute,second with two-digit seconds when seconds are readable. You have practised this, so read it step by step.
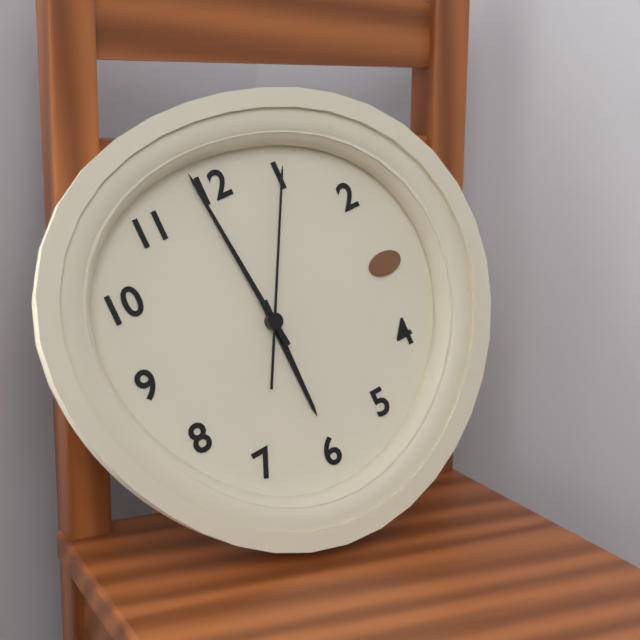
5,59,05
